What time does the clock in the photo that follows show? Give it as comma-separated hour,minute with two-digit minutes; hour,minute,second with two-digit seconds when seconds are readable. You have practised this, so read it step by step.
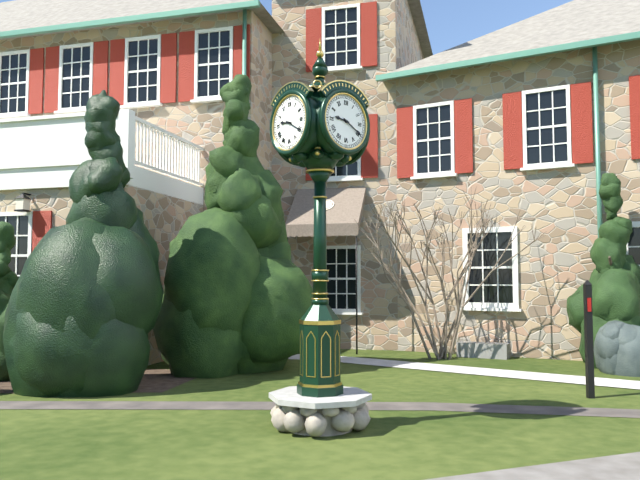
9,20
